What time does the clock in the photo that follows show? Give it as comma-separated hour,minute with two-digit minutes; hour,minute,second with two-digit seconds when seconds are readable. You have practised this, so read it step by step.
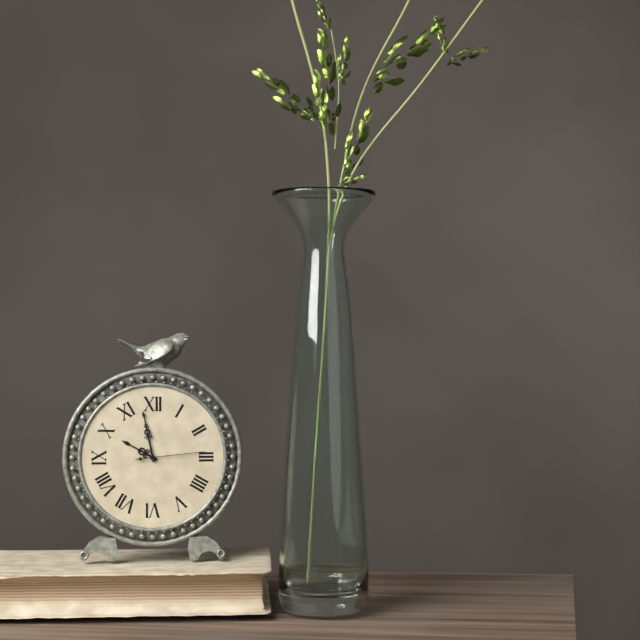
9,58,14
